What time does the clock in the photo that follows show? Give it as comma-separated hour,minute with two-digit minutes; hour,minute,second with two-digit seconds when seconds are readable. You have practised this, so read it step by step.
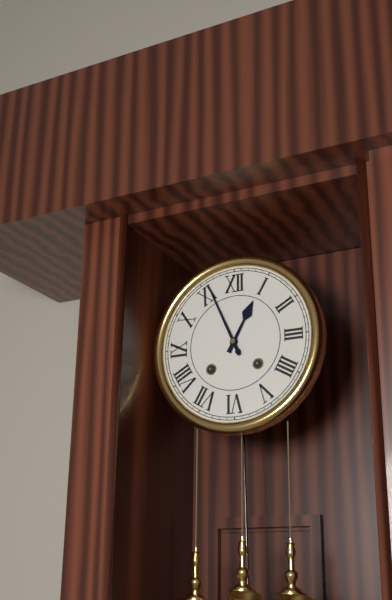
12,56
